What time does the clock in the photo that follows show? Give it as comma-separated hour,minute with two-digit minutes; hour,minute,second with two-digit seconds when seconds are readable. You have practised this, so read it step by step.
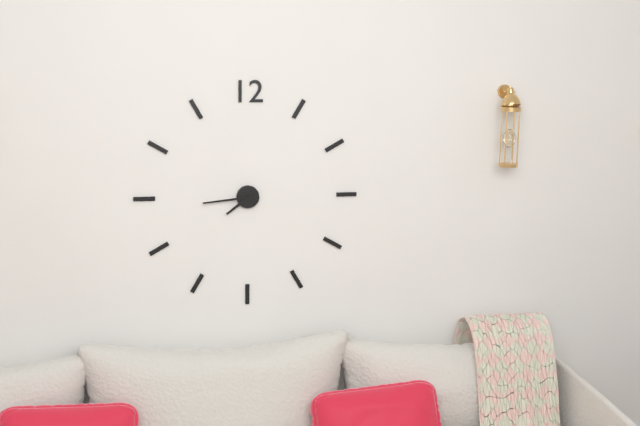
7,44
